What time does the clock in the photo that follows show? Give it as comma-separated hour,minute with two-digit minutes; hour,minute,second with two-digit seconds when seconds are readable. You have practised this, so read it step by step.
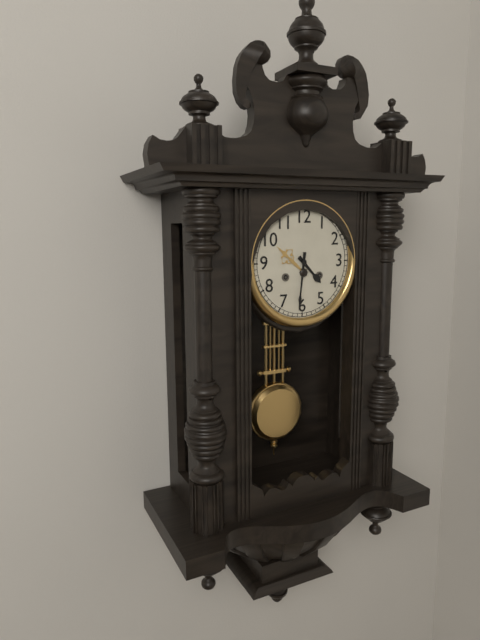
4,31
